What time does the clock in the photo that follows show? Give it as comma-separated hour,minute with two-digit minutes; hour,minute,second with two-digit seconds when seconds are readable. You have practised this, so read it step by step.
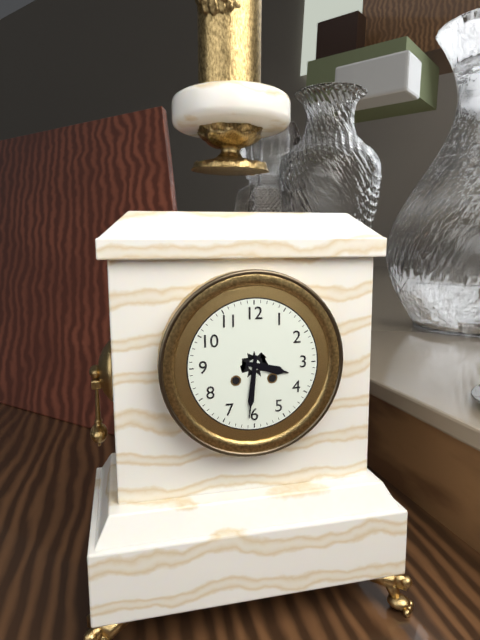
3,31
